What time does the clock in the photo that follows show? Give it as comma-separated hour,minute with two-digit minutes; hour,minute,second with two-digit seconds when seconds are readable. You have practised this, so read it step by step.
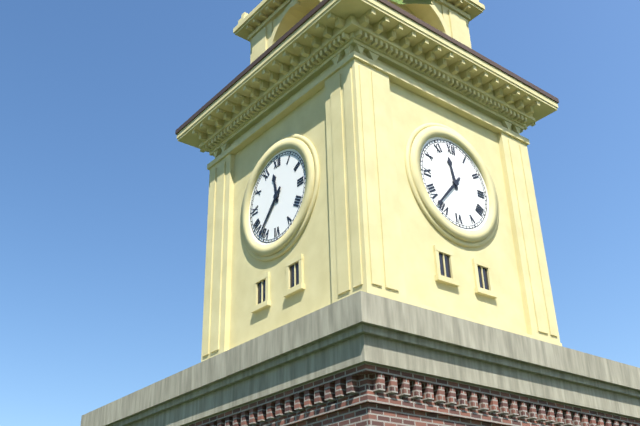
11,37
